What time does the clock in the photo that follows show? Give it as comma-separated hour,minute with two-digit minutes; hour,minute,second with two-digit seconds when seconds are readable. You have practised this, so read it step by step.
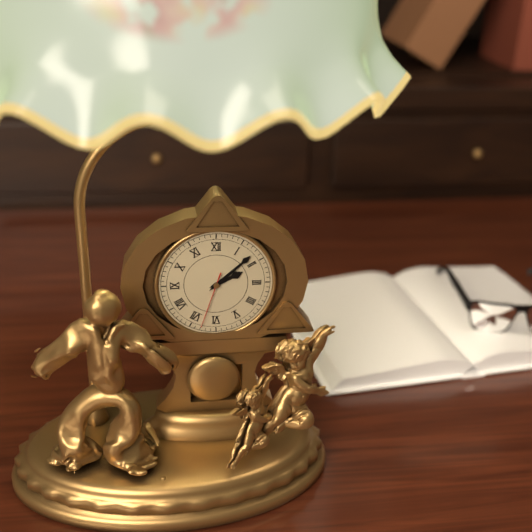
2,08,33
